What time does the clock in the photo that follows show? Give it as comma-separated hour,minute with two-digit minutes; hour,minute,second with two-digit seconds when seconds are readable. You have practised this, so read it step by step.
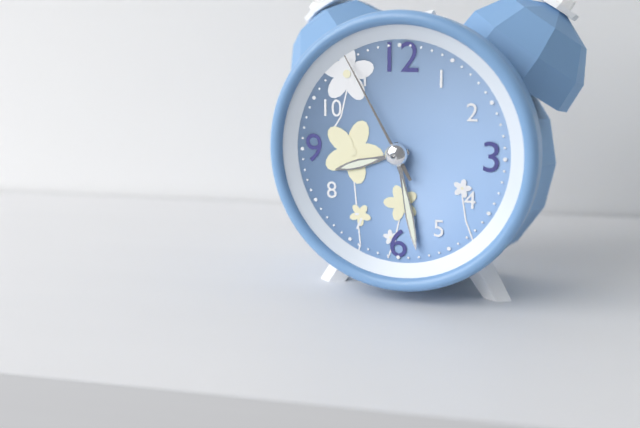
8,28,55
